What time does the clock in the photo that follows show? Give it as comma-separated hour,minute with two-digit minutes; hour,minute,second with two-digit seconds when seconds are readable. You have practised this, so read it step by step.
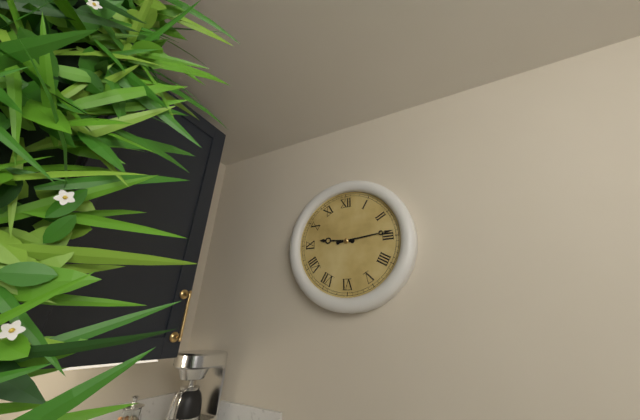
9,14
